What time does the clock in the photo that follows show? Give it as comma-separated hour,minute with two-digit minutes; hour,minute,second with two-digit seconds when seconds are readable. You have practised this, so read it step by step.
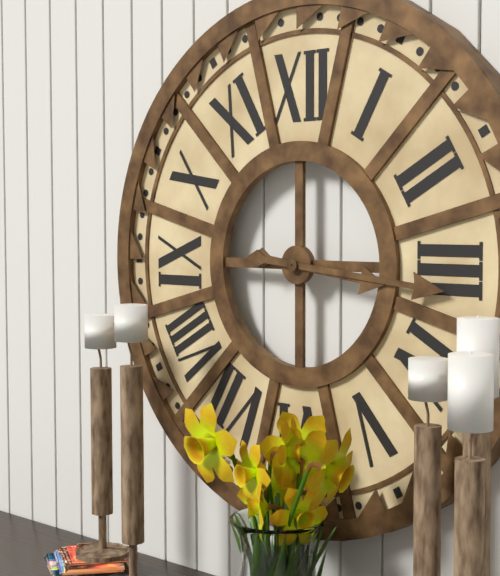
3,16
